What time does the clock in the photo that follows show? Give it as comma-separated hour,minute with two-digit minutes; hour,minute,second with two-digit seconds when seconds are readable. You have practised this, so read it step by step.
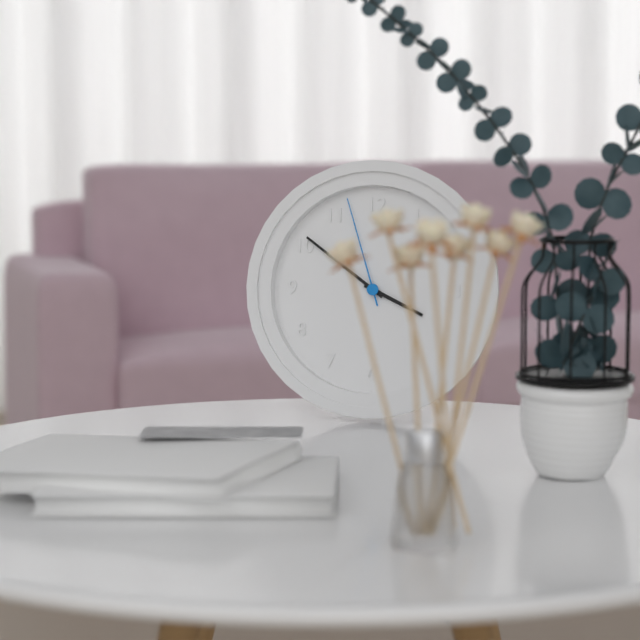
3,51,57
